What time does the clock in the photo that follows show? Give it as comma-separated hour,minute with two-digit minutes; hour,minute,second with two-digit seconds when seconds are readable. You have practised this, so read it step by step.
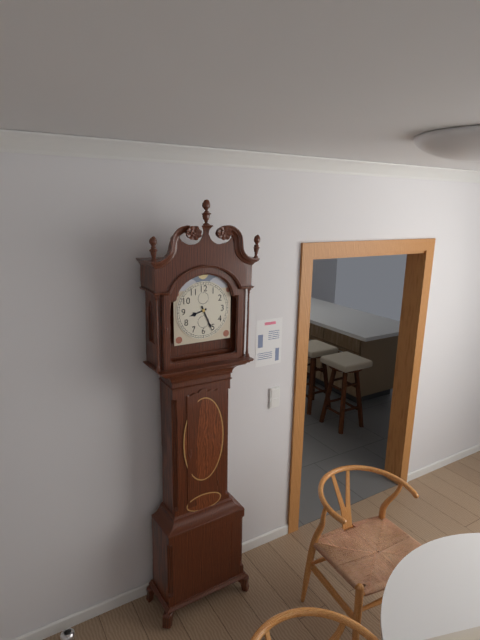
8,26
